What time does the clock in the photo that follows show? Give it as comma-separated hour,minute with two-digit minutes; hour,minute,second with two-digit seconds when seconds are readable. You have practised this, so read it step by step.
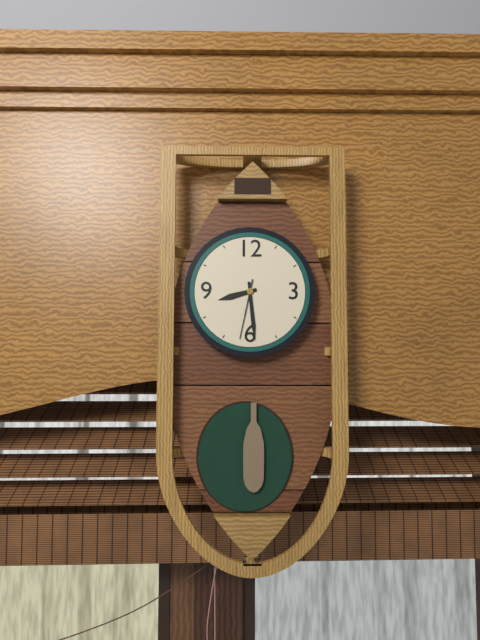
8,29,32
